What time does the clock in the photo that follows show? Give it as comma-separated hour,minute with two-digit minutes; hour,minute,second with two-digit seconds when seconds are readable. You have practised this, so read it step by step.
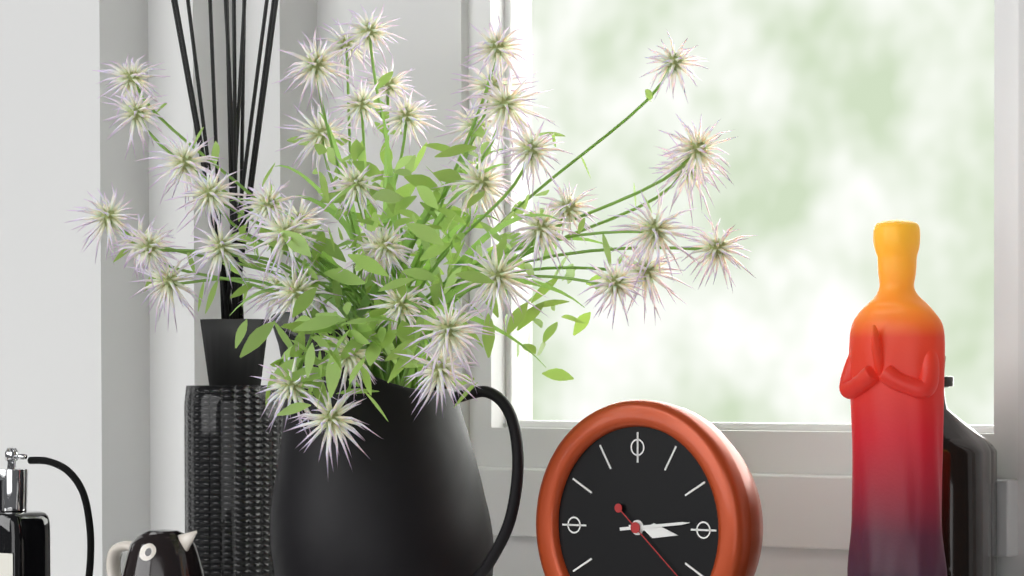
3,14
